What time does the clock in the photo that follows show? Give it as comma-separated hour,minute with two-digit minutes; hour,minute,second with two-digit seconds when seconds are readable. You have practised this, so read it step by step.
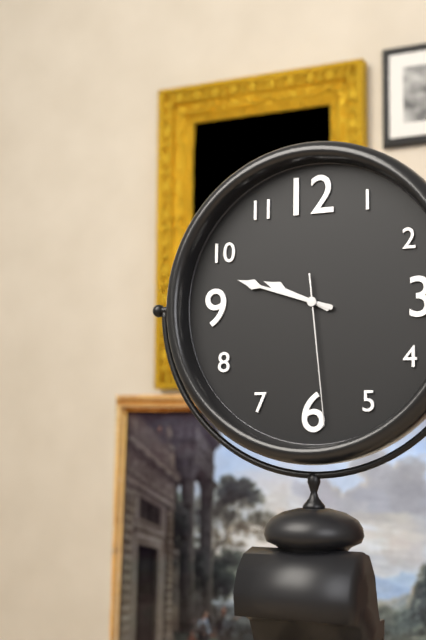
9,48,29
